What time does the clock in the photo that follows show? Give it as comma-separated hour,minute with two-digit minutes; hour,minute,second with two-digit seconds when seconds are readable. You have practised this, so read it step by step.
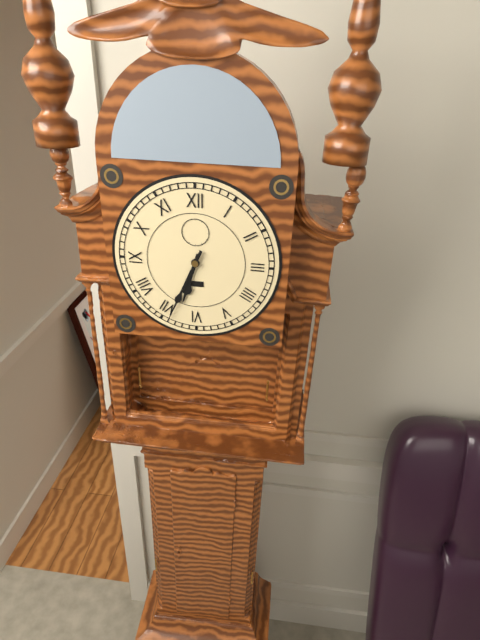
6,34
